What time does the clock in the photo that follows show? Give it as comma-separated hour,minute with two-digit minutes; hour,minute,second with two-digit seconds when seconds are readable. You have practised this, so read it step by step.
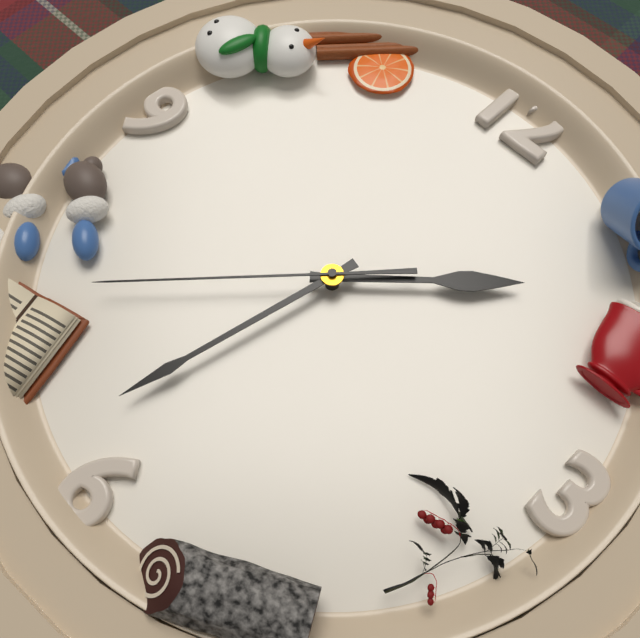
1,32,37
